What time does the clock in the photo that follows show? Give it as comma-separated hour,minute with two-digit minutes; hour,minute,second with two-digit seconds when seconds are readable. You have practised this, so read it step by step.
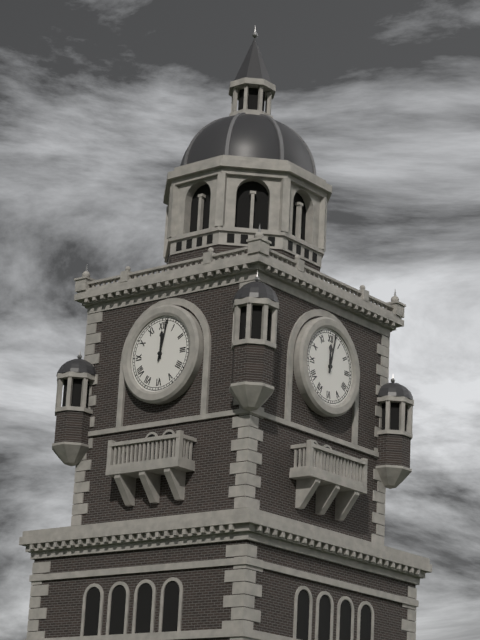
12,02
